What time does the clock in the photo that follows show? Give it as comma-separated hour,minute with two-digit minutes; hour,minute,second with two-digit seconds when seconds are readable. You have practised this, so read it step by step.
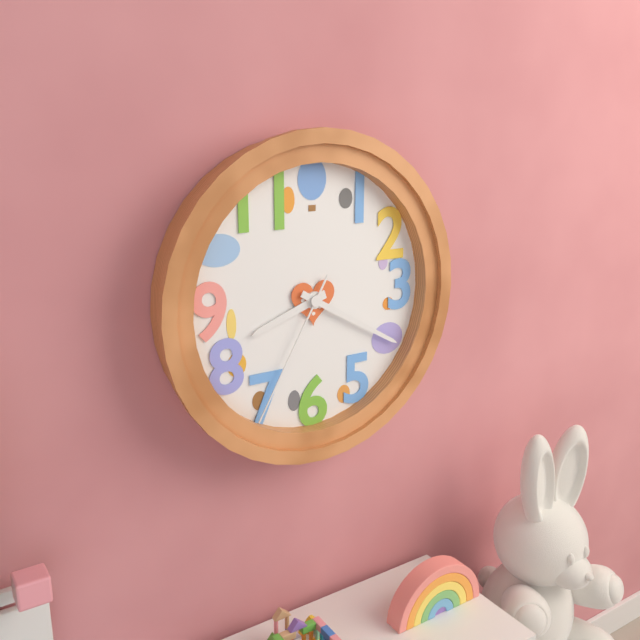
8,20,35
